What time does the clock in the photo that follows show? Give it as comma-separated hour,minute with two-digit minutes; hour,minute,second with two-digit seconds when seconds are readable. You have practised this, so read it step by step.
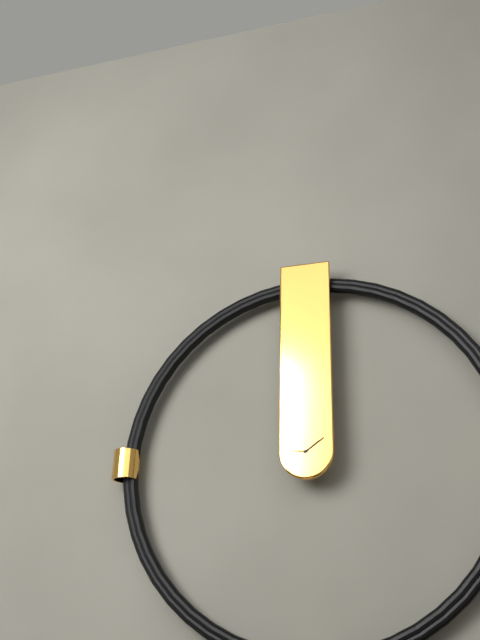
9,09
